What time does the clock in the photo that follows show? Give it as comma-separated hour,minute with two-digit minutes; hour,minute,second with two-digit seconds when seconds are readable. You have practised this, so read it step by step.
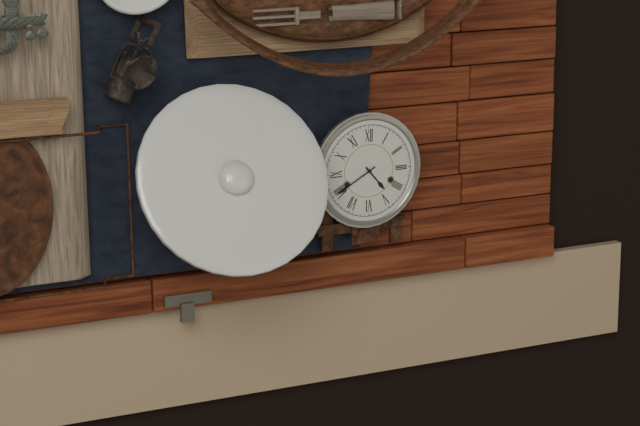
4,40
